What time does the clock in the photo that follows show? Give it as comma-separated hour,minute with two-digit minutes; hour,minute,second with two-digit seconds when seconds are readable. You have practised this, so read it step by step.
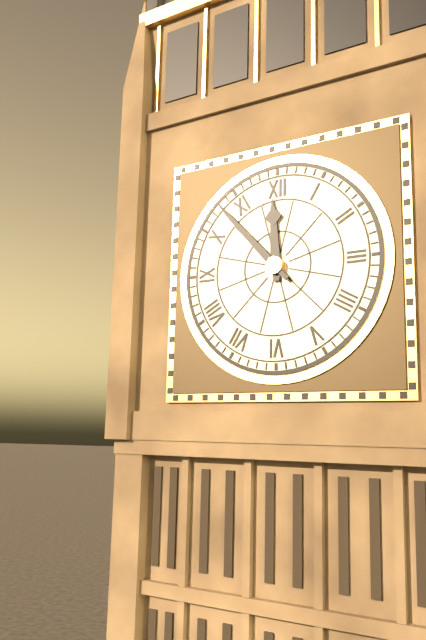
11,53
